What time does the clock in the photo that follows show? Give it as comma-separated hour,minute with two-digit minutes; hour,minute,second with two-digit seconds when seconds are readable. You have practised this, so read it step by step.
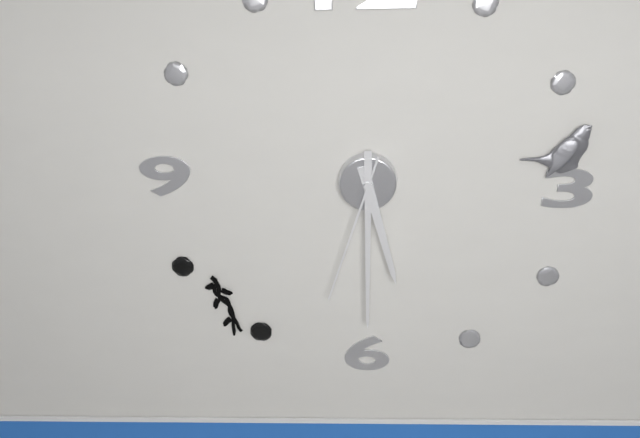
5,30,33
